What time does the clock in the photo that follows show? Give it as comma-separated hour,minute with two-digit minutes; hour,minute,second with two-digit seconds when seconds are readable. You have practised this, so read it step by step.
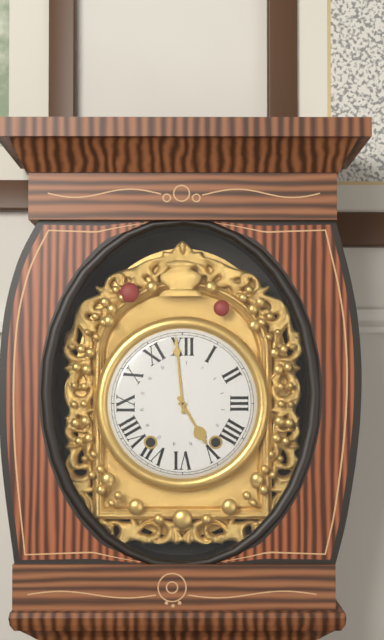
4,59
